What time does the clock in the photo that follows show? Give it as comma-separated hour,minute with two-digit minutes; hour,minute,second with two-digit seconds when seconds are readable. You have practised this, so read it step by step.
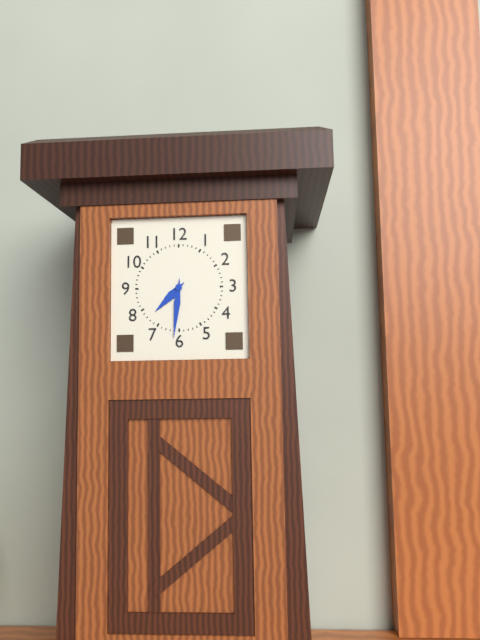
7,31
